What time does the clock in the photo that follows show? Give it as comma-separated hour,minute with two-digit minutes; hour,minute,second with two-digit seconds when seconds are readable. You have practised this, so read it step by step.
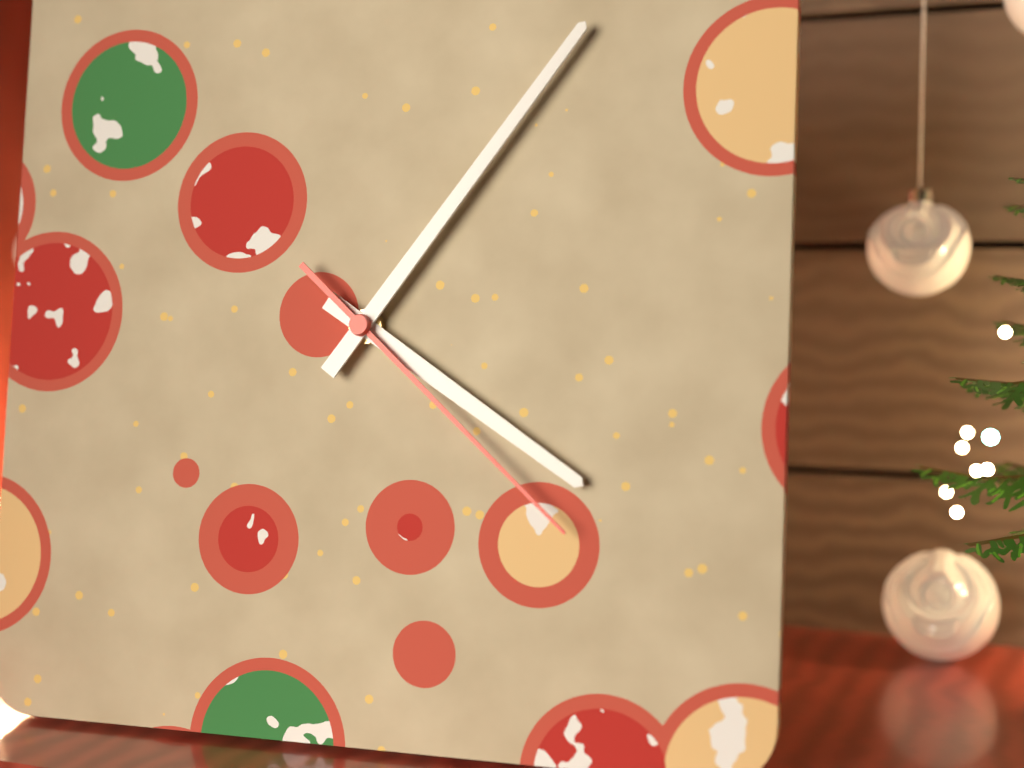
4,06,22
